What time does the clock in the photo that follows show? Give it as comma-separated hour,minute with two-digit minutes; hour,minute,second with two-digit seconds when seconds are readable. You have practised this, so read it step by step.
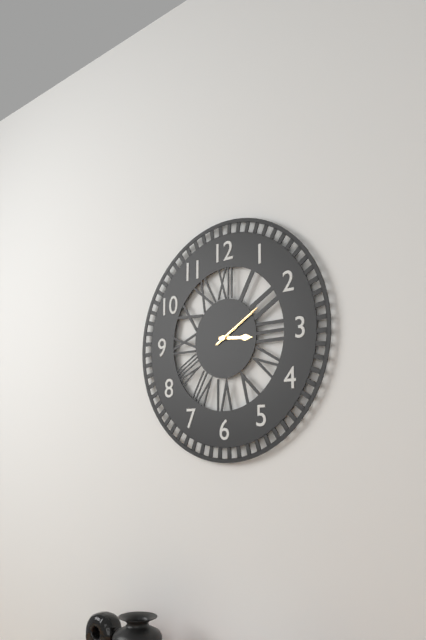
3,10,10
